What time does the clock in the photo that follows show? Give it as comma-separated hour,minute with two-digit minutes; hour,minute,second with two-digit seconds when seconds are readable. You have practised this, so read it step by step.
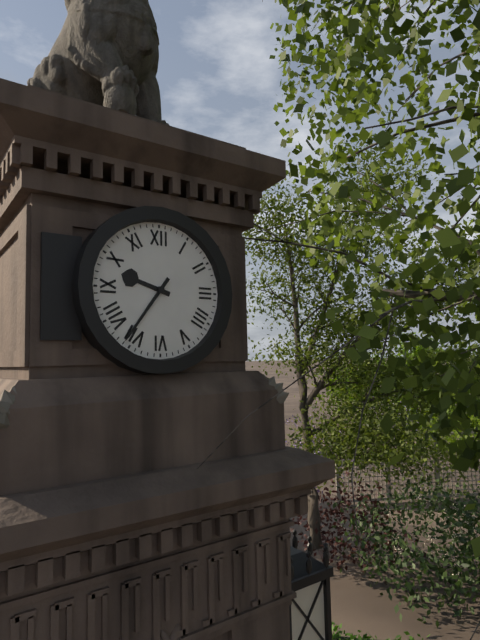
9,36
